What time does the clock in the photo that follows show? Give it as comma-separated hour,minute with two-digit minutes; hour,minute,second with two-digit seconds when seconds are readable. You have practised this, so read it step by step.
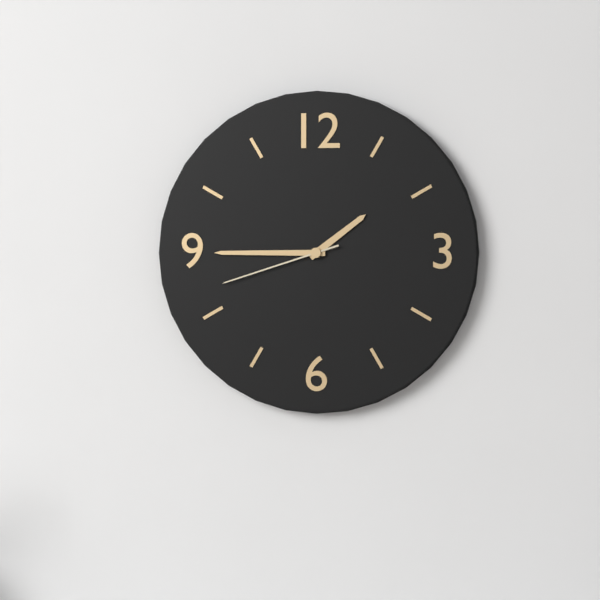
1,45,42
